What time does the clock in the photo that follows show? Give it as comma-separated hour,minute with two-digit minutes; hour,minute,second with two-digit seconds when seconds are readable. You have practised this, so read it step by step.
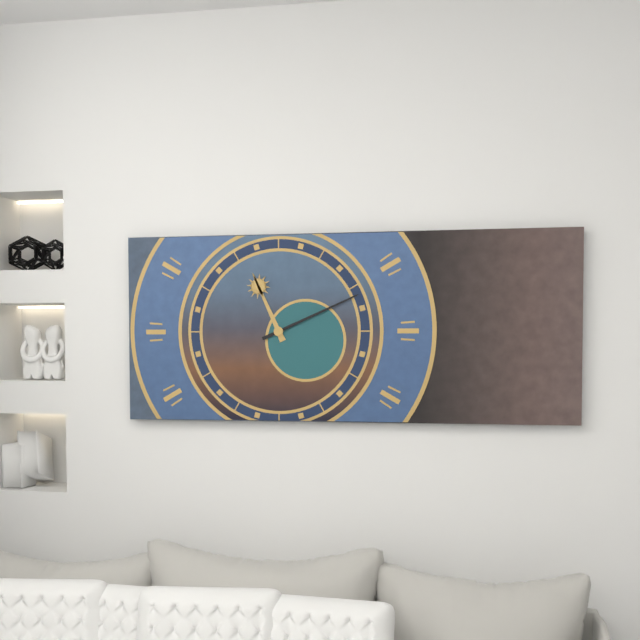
11,11
